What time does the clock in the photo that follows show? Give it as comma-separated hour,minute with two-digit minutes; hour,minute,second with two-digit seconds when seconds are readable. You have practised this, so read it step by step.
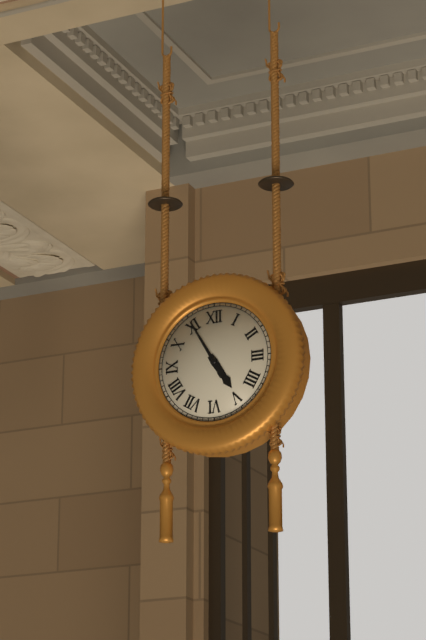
4,55
